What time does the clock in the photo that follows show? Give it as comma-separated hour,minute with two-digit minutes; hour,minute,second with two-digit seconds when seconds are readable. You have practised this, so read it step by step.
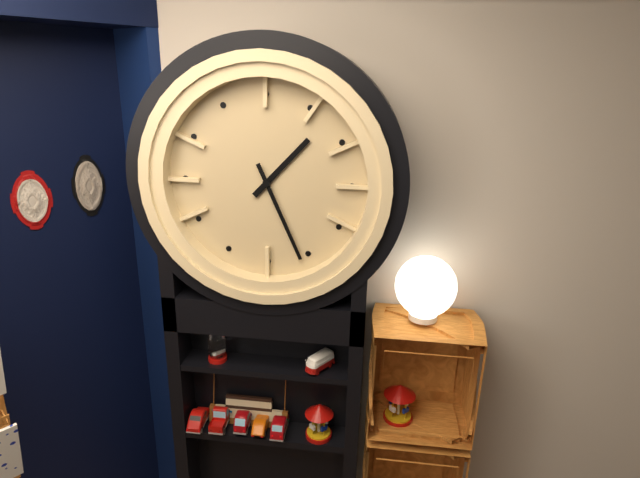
1,26
